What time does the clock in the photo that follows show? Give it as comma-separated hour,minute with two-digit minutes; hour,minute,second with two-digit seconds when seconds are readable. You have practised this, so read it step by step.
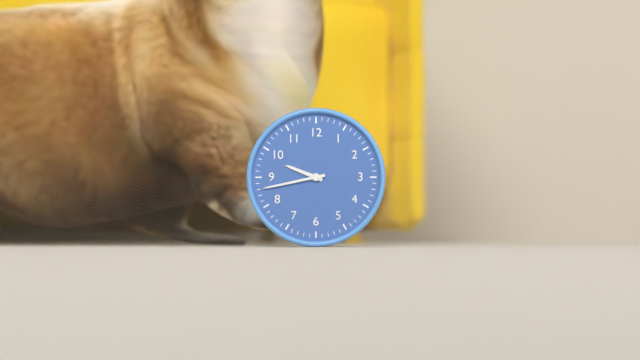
9,43
